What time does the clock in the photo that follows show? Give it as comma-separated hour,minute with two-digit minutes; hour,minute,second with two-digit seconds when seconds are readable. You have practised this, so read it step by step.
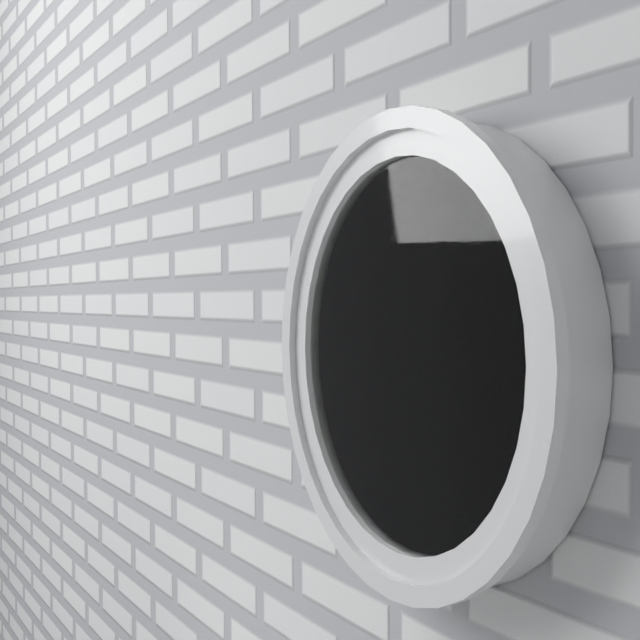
8,20,48
